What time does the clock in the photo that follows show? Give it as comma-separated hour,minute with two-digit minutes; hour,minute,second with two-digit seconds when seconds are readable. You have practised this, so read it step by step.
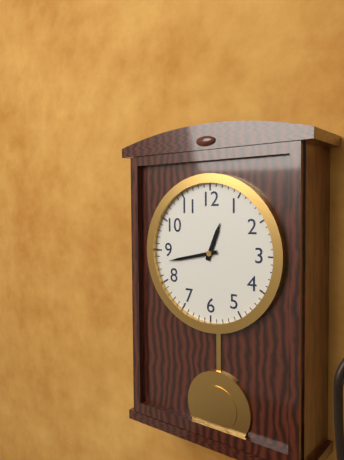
12,43
